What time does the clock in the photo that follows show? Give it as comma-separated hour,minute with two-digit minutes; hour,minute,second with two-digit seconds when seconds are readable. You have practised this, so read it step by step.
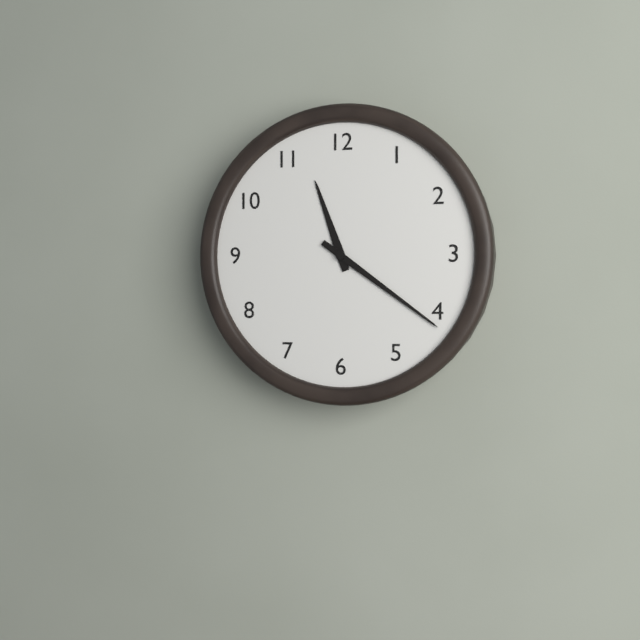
11,21
